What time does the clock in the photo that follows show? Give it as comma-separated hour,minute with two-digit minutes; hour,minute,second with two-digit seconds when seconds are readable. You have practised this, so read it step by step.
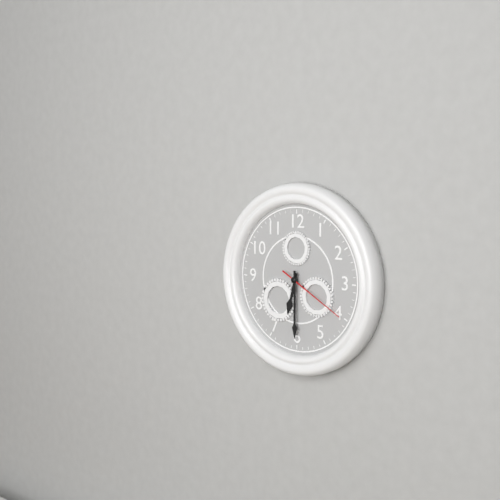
6,30,20
